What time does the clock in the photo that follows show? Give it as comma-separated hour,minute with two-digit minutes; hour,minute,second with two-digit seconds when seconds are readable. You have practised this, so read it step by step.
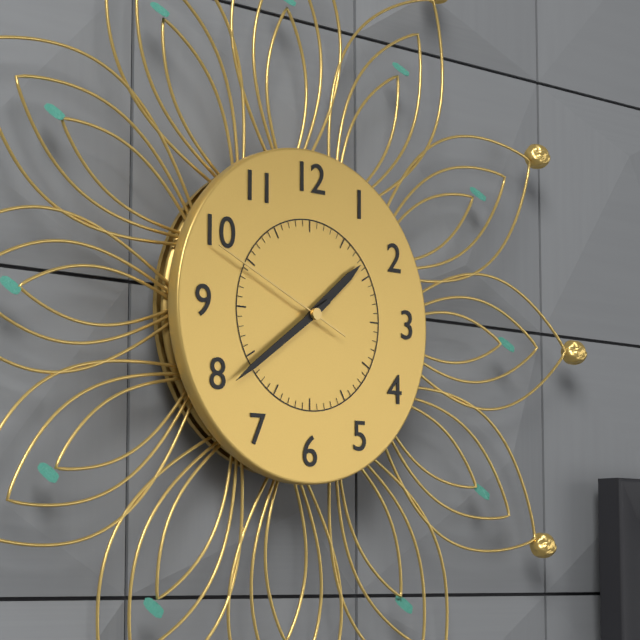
1,39,49
